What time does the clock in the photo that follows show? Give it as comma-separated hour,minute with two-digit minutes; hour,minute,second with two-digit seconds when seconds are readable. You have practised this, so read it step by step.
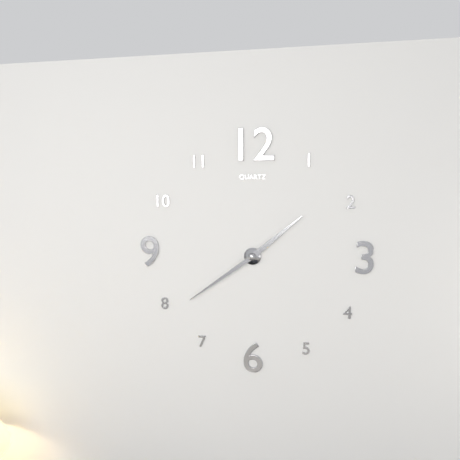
1,39
